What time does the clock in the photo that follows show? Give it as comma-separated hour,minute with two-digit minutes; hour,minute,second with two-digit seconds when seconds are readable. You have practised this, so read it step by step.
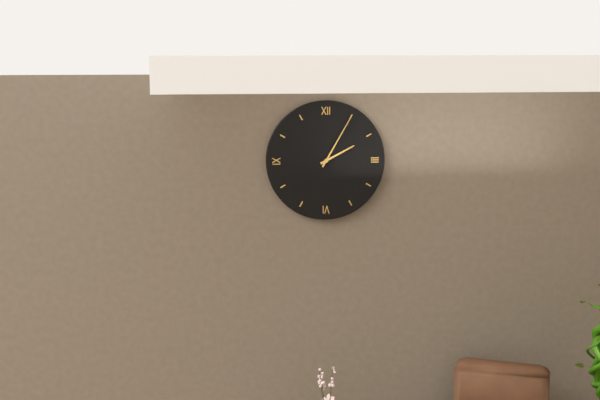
2,05
